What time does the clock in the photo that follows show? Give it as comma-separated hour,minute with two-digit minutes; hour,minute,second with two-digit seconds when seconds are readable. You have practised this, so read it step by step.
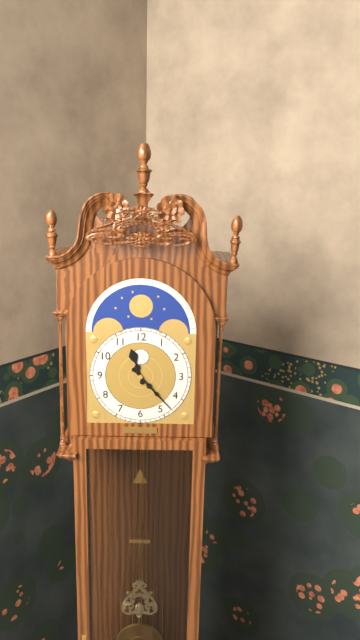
11,23
